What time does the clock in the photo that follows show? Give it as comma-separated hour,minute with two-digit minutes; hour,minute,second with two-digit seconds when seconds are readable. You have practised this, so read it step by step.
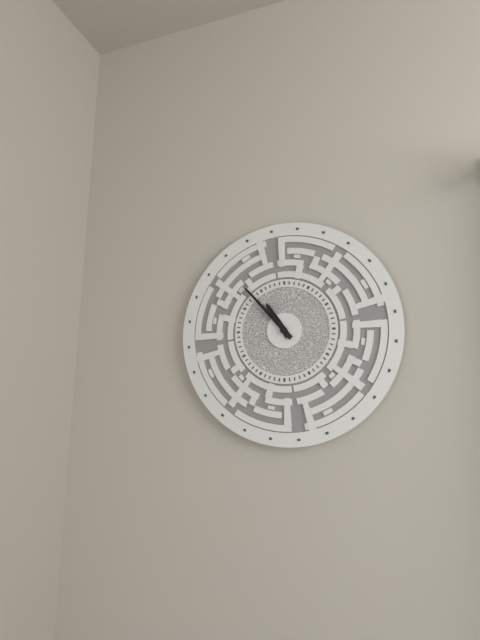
10,53
